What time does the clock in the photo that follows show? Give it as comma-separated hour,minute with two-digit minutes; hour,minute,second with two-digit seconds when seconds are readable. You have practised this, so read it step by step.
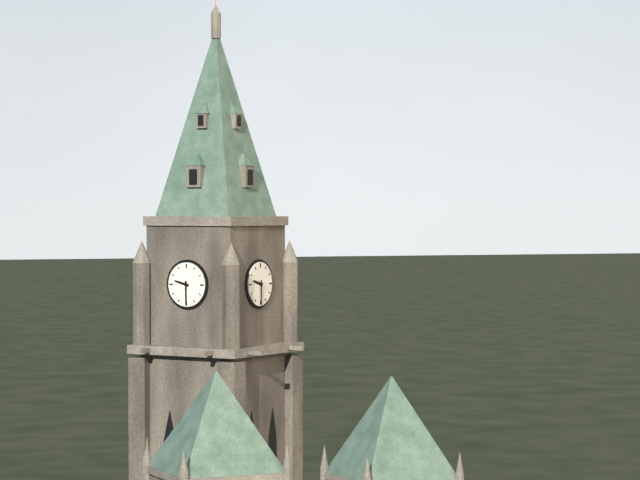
9,30
